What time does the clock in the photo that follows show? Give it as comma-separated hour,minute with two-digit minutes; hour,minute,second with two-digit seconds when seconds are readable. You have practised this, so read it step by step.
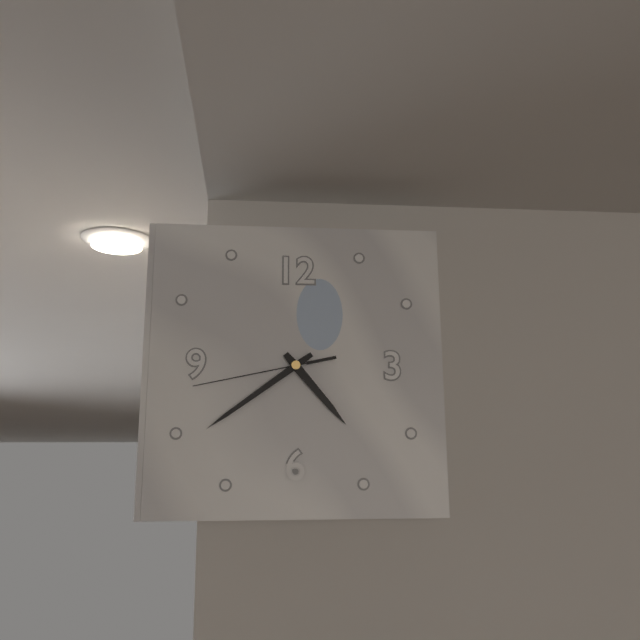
4,39,43
